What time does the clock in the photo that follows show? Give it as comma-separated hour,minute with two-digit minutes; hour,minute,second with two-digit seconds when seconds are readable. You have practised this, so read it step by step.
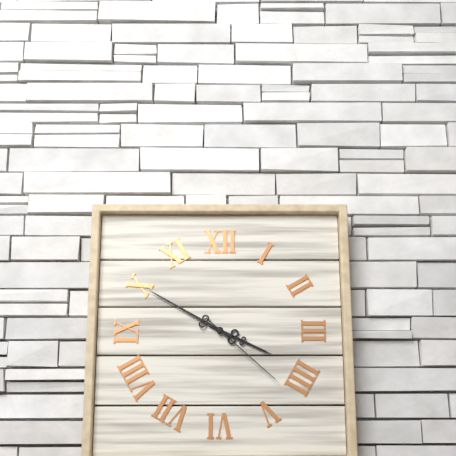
3,50,22
